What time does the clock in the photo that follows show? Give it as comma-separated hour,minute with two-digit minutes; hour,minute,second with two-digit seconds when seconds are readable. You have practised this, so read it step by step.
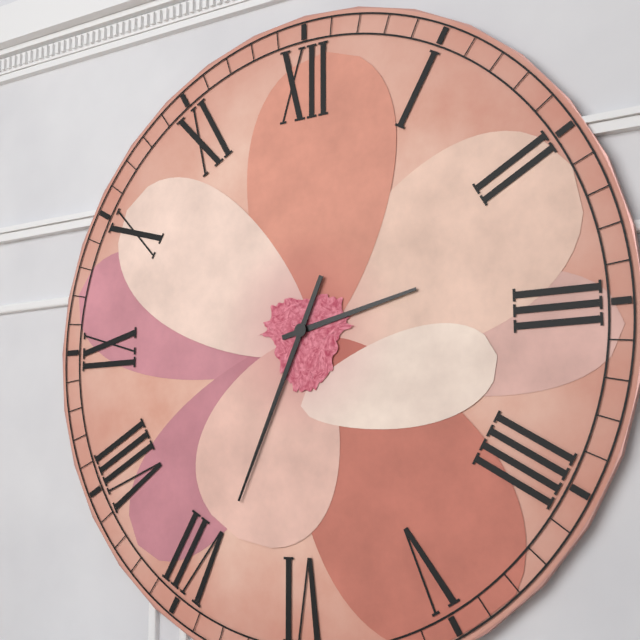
2,34
